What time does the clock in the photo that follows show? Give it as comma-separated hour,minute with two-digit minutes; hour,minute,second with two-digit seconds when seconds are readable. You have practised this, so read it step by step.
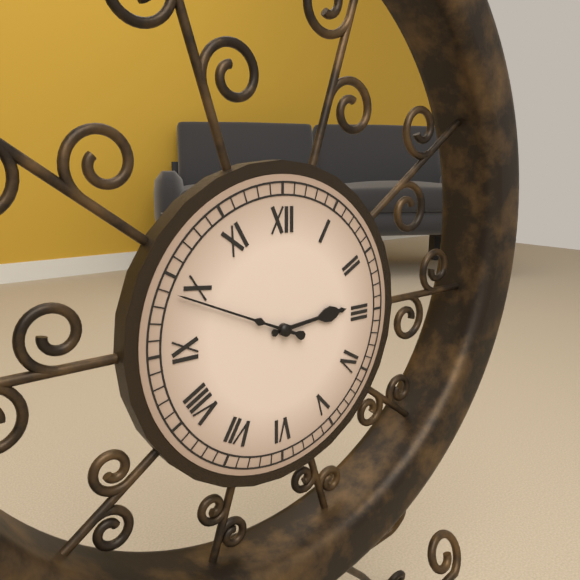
2,49
